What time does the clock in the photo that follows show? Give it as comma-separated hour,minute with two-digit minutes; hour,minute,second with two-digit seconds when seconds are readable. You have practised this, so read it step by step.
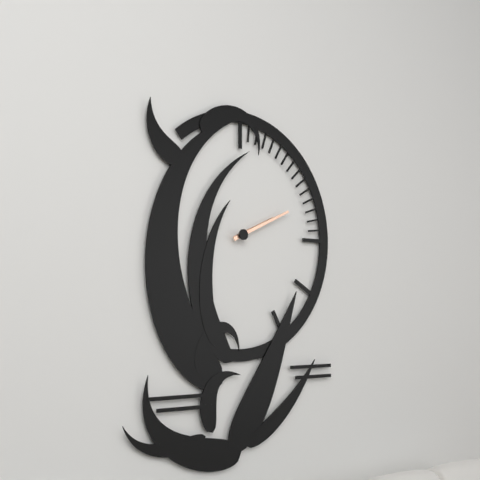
2,11
